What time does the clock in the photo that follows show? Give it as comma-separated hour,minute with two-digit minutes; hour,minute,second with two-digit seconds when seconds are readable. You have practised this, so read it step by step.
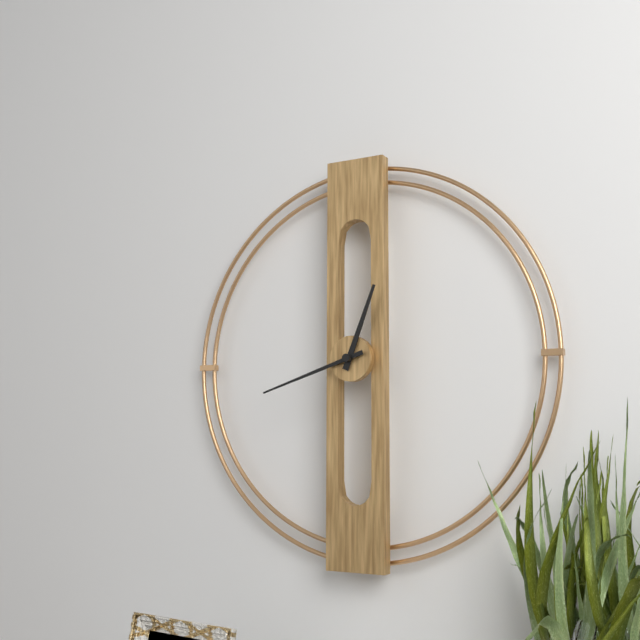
12,42
